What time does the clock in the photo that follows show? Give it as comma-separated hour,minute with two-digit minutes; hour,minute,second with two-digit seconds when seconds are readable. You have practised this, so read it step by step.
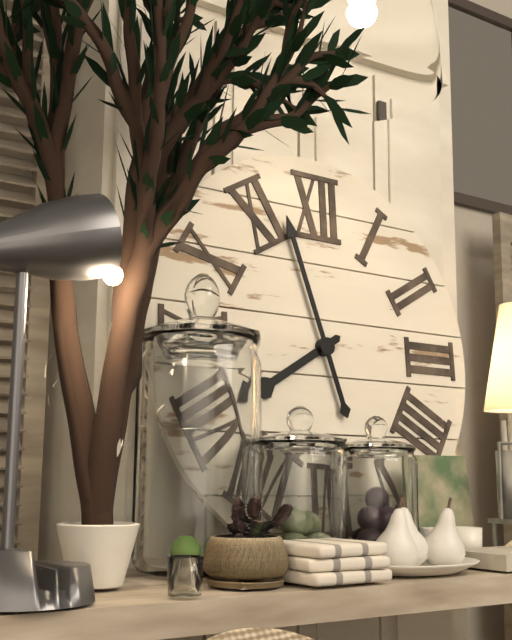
7,57
